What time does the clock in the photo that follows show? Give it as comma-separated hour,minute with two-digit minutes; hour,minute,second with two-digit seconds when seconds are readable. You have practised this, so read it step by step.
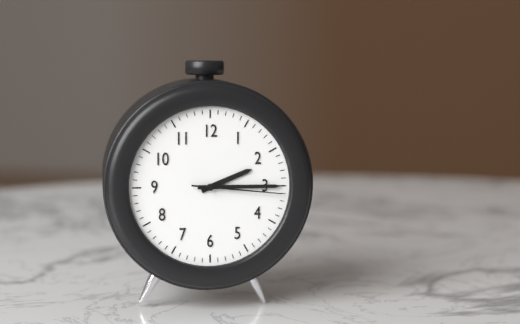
2,15,16
